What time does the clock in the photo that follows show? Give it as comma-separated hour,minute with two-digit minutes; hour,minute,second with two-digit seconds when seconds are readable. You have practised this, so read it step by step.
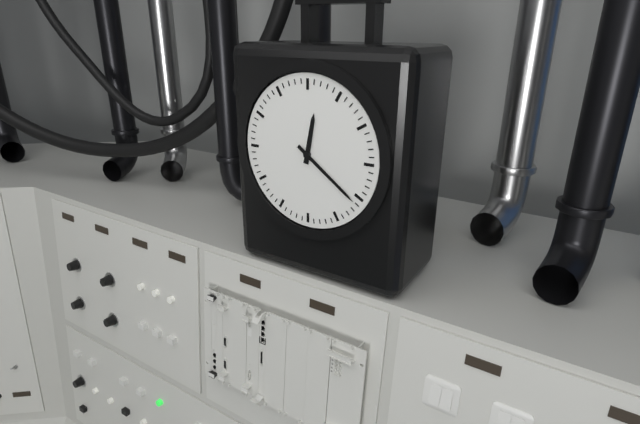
12,21
